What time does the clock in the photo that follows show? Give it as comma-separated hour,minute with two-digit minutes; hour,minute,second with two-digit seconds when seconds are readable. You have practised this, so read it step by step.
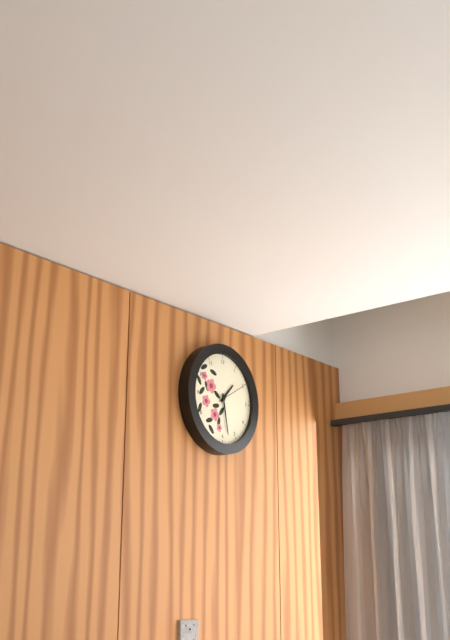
1,28
